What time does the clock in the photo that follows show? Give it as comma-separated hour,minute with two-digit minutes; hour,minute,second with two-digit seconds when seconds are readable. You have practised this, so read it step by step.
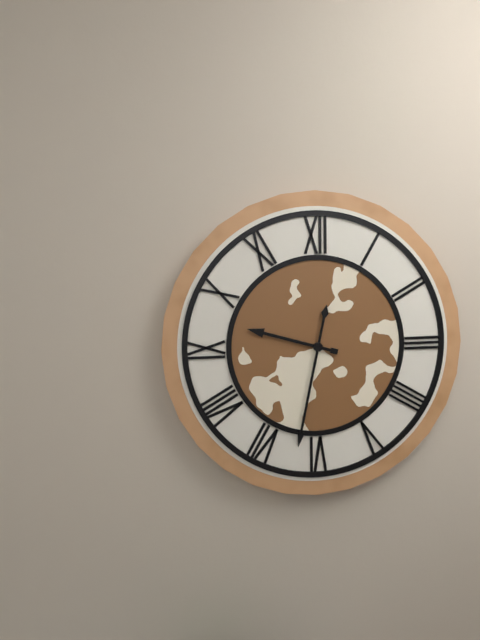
9,32
